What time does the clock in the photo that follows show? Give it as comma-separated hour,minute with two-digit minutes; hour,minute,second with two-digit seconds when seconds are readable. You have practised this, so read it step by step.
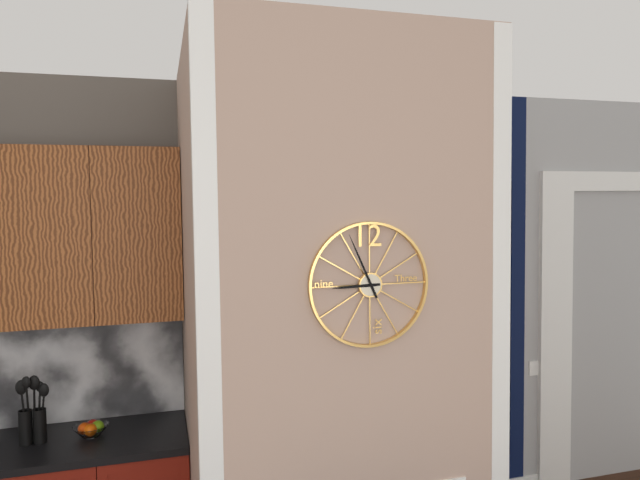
8,56
